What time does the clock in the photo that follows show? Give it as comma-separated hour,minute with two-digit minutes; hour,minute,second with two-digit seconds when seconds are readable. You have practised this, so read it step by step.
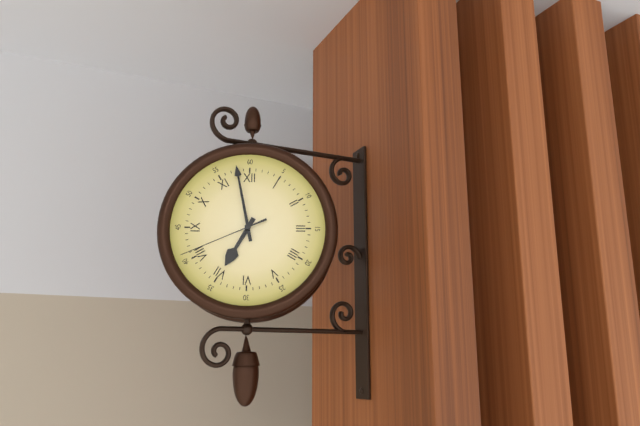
6,58,41
